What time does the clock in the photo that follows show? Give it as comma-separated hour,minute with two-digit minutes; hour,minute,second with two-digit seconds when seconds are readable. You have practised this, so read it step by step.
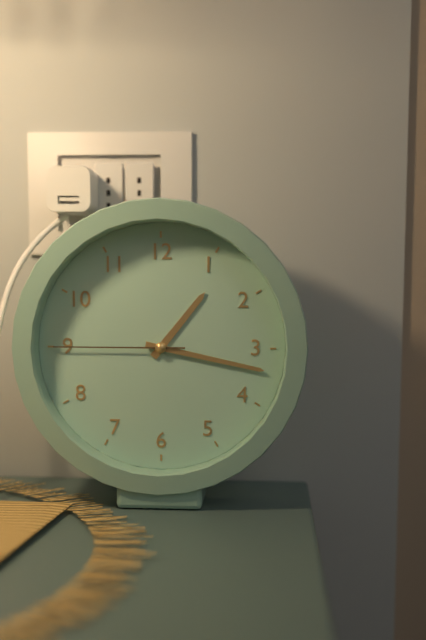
1,17,45
